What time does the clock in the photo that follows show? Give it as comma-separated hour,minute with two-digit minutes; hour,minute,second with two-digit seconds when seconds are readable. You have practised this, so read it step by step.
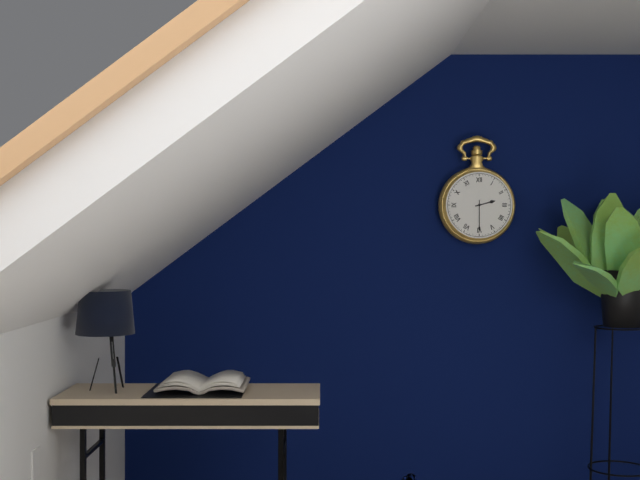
2,30
